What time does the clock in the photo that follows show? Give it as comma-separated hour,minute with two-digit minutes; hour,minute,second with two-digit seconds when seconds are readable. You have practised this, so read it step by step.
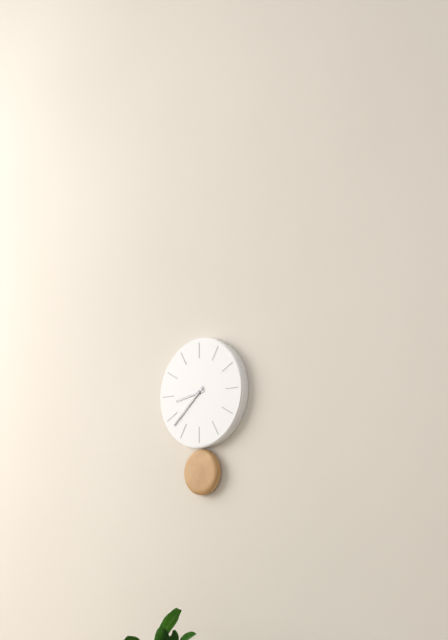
8,38
